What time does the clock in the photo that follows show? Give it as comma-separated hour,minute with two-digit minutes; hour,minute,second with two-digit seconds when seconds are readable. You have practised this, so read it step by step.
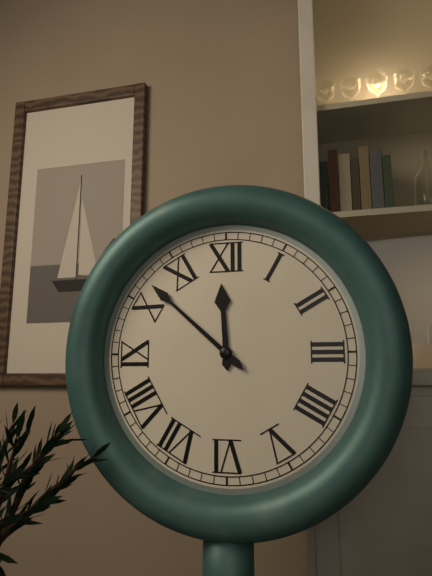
11,52
